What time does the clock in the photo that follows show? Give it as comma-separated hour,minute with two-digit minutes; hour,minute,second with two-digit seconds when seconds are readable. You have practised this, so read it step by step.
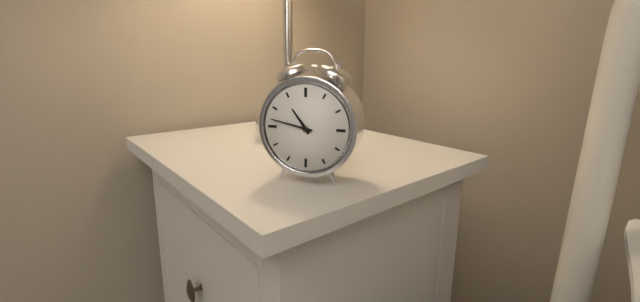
10,47
